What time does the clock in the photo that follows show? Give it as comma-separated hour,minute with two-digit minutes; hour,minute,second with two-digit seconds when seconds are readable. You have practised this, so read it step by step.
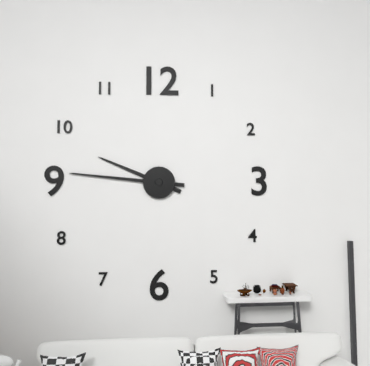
9,46
